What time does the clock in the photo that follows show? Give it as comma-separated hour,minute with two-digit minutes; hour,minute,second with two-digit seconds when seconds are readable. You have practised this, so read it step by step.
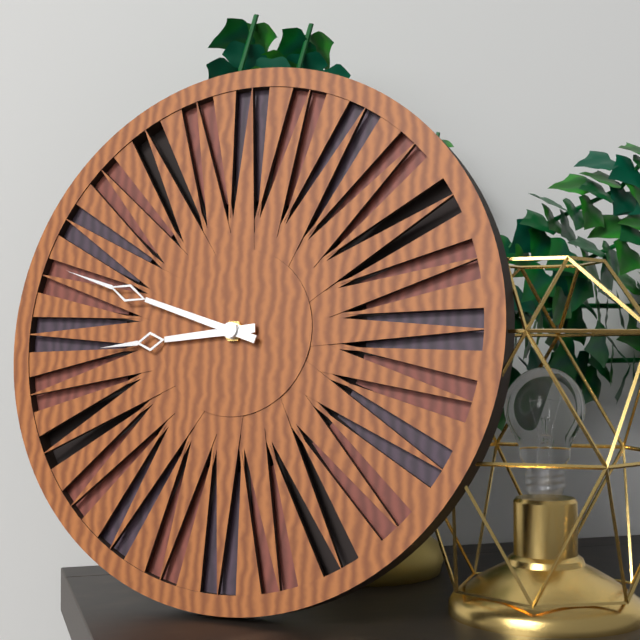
8,48
